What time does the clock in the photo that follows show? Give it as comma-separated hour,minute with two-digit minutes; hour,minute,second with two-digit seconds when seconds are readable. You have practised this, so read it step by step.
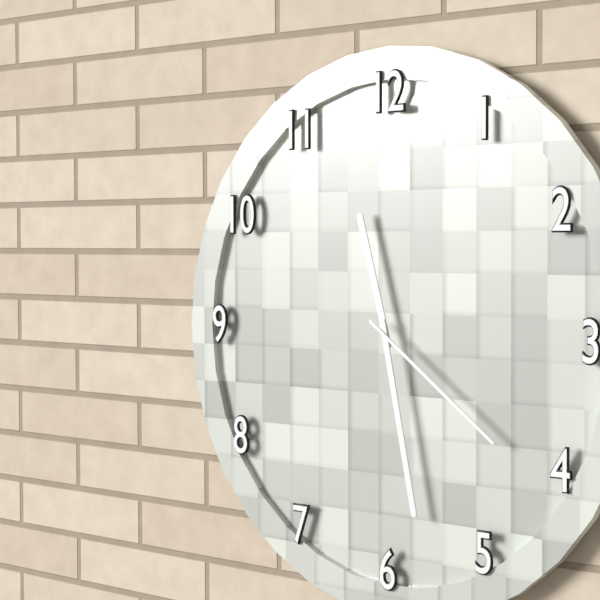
11,28,21
